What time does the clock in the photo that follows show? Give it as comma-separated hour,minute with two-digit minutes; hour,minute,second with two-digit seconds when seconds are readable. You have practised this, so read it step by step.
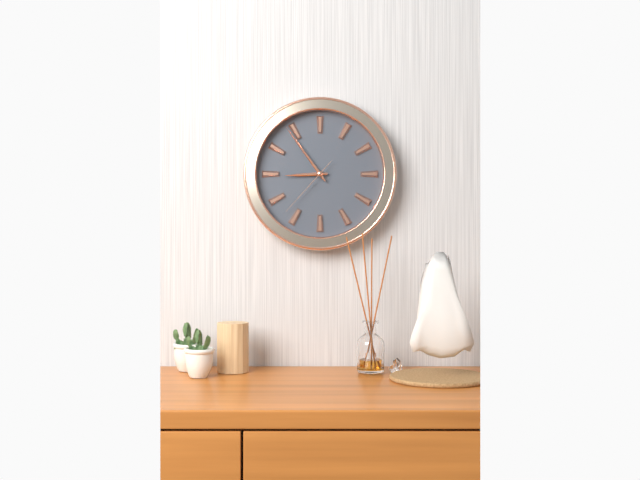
8,54,37
